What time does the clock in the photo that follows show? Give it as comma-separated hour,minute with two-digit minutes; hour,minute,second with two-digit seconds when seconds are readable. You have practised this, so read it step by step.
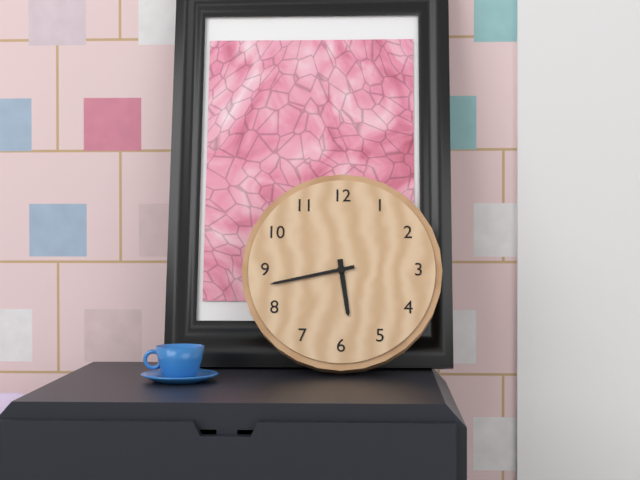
5,43
